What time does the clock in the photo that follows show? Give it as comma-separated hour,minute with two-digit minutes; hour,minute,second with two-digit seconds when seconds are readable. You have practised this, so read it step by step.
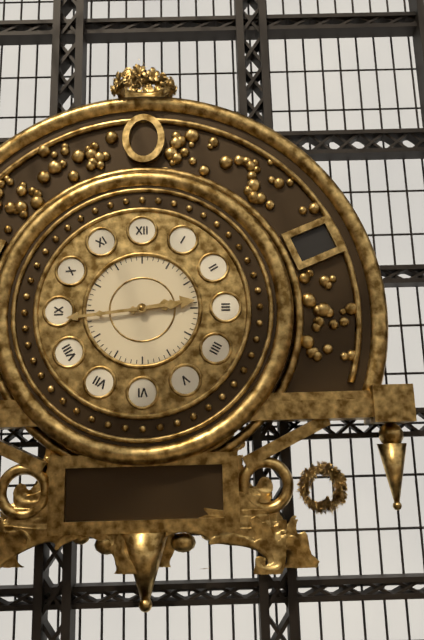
2,44
